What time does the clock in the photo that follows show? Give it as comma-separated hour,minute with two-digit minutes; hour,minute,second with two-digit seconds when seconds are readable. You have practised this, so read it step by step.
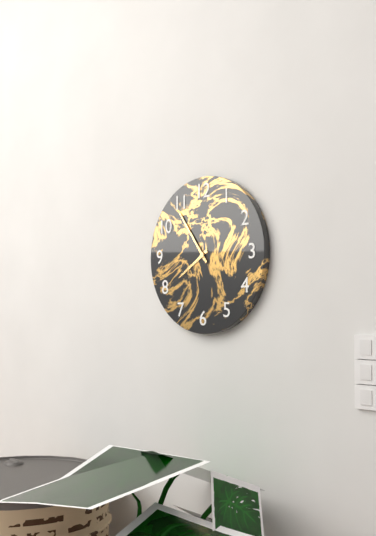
7,54
